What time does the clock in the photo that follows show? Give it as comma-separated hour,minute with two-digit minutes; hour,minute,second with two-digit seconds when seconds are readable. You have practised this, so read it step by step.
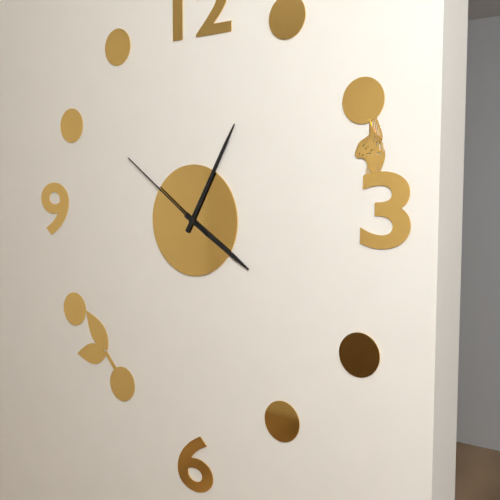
4,05,51
